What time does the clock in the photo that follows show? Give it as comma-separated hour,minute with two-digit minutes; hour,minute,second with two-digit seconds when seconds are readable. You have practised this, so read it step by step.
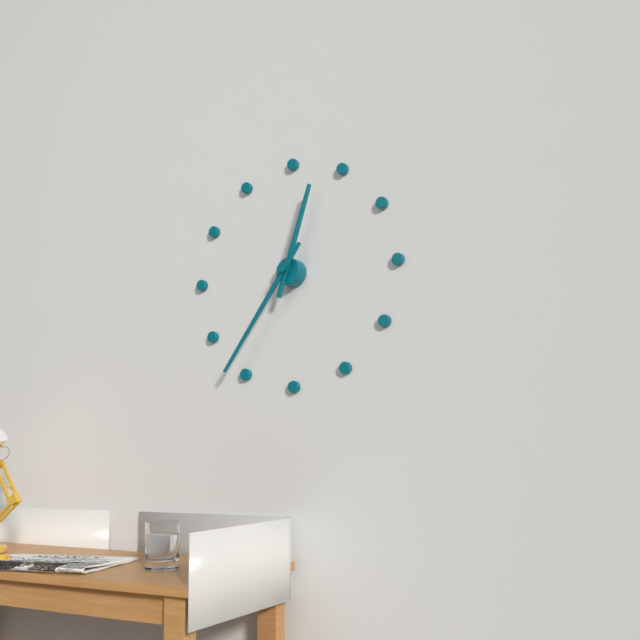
12,36
